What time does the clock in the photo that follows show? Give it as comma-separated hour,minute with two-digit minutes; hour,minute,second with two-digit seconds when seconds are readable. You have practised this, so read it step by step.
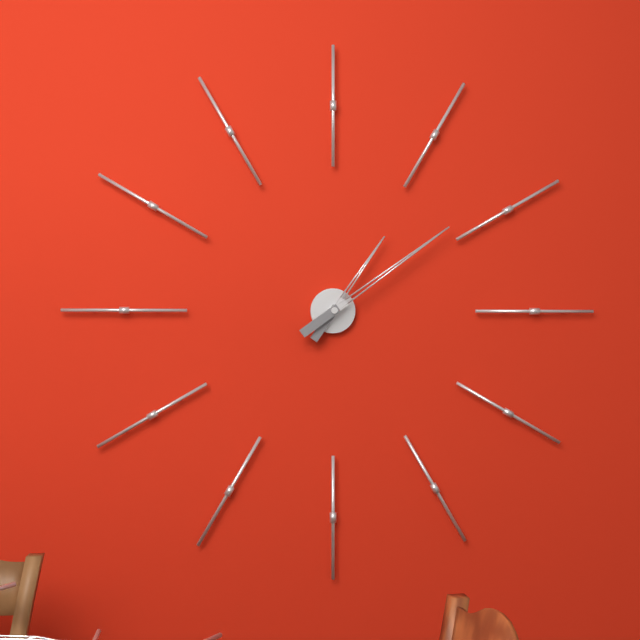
1,09
